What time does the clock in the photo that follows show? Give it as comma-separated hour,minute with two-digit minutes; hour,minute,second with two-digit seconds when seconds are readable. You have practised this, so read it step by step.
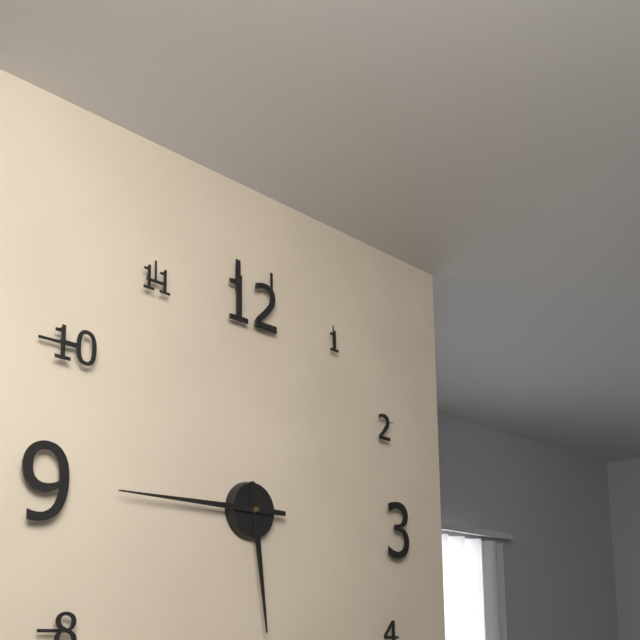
5,45
